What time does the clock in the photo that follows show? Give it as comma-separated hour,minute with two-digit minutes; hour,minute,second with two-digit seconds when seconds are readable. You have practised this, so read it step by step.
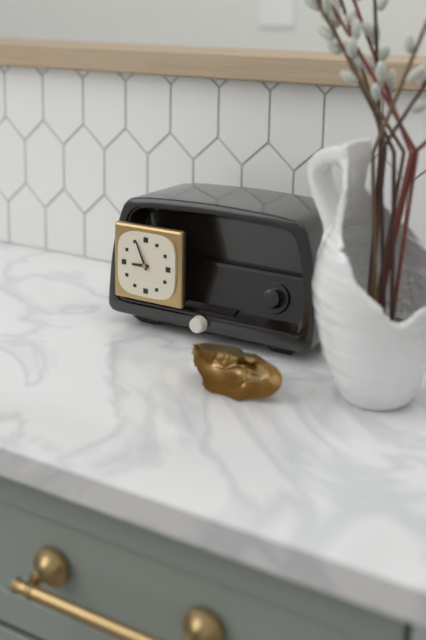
8,56
